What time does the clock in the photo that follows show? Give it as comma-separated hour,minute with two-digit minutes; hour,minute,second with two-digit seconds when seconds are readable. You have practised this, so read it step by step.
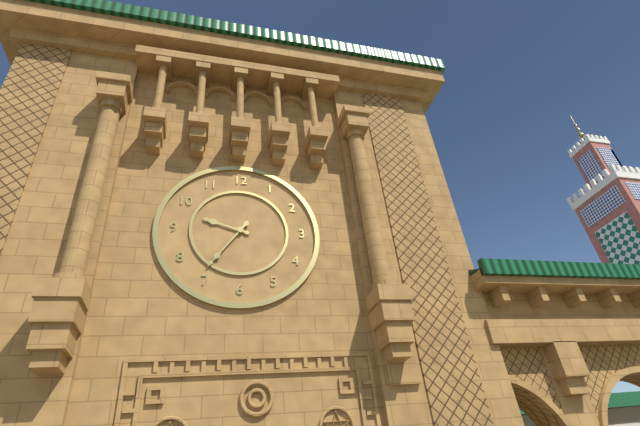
9,36
